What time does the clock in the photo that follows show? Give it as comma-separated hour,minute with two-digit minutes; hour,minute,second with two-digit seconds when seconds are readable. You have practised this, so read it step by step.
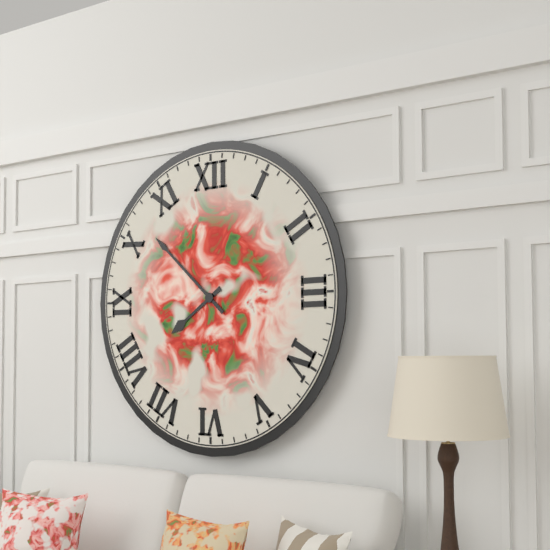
7,52
